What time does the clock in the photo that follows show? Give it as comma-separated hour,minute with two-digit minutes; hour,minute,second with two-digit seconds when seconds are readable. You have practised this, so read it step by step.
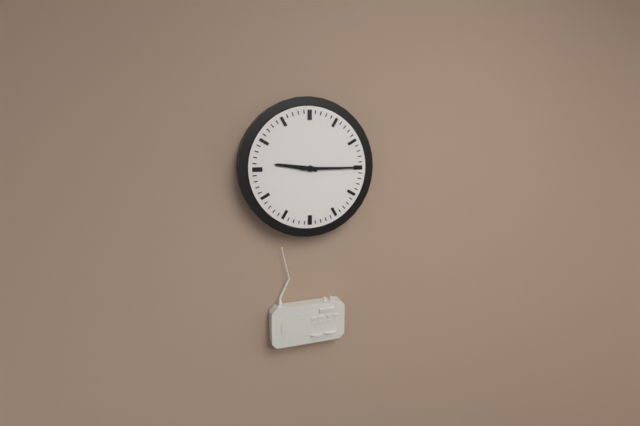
9,15
